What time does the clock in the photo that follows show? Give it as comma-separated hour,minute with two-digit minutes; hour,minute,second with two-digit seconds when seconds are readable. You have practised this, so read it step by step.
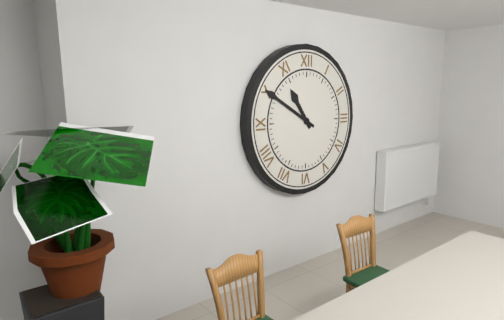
10,50
